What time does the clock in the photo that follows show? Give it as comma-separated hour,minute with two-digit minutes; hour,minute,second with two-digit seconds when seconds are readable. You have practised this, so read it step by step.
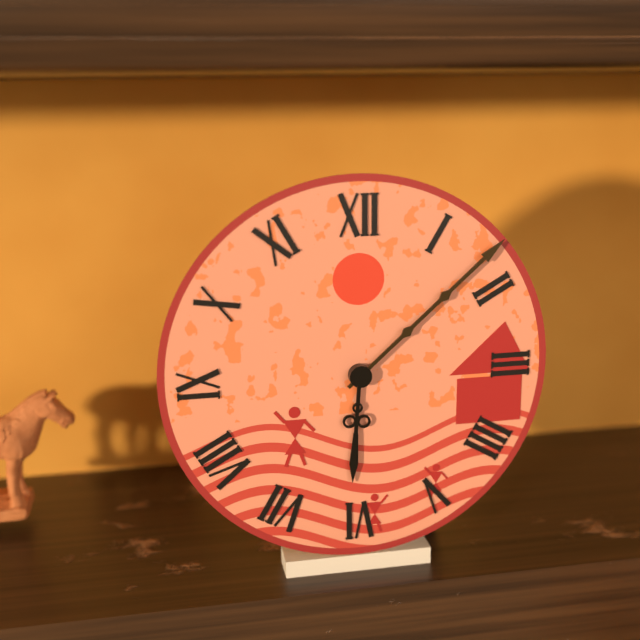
6,08
